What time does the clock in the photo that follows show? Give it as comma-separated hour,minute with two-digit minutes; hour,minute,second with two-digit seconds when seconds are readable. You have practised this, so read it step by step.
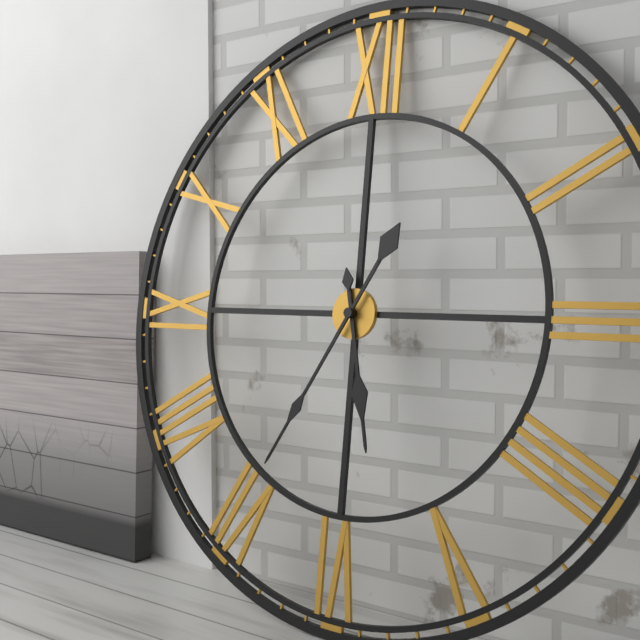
5,35
